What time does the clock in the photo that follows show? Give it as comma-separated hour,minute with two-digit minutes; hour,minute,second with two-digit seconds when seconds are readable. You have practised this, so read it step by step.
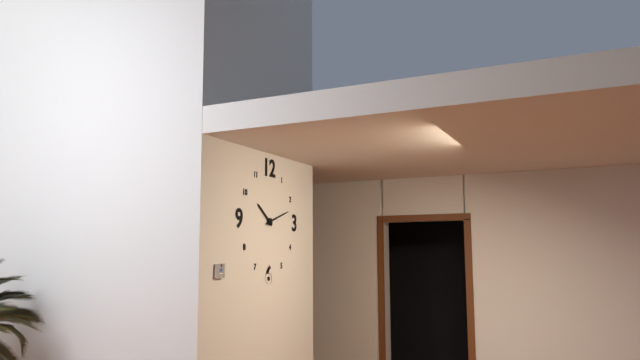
10,12
